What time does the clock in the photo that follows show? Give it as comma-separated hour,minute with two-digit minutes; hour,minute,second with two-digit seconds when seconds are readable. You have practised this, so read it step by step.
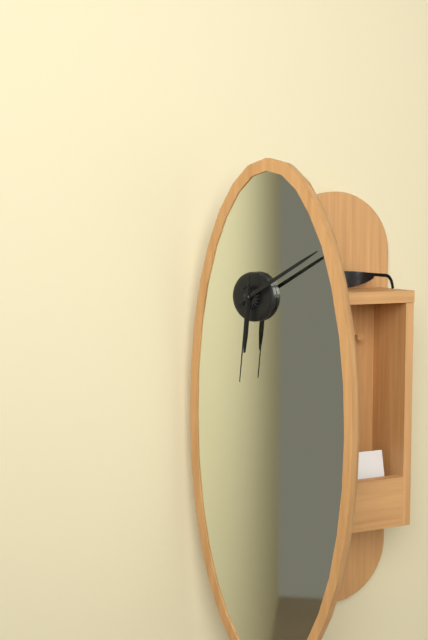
6,10,31
